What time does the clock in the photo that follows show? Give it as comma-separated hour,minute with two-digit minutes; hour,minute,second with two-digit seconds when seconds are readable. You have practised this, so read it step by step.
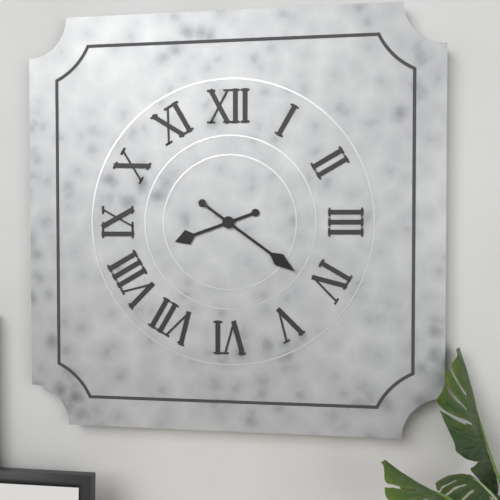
8,21
